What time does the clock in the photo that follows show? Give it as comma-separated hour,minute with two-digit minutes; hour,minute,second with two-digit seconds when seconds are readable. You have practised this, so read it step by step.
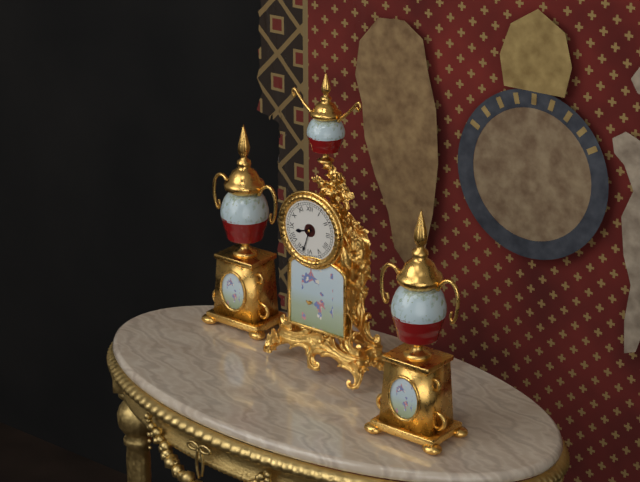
8,33
